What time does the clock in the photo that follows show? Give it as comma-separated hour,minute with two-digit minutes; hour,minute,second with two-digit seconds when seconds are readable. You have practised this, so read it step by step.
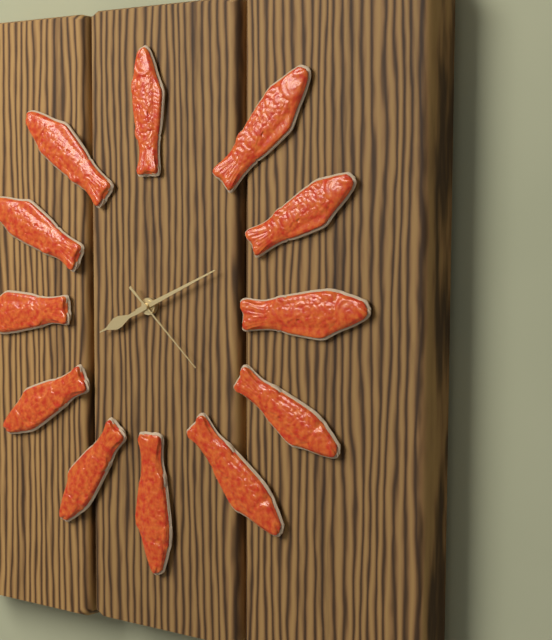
8,11,22
